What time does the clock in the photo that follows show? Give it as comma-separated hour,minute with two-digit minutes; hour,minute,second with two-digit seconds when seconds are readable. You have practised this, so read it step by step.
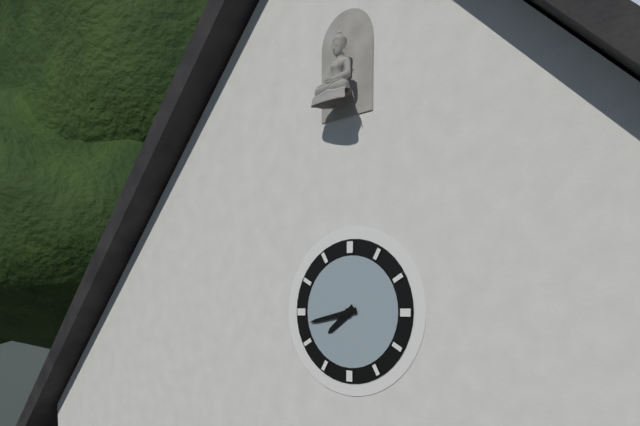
7,43
